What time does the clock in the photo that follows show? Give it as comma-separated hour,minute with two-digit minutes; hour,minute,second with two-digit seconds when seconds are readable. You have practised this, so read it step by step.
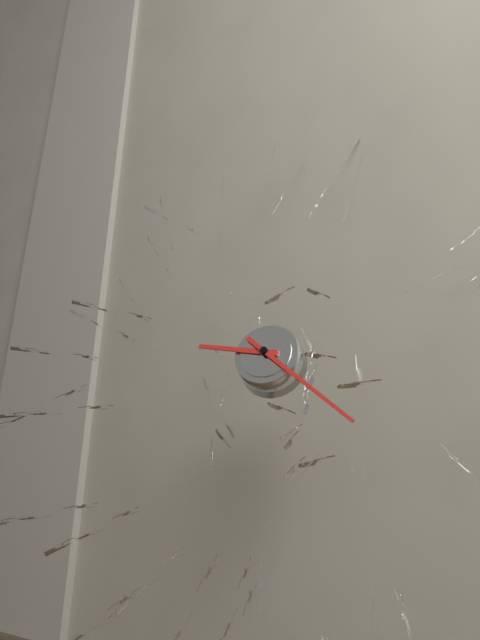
9,22
